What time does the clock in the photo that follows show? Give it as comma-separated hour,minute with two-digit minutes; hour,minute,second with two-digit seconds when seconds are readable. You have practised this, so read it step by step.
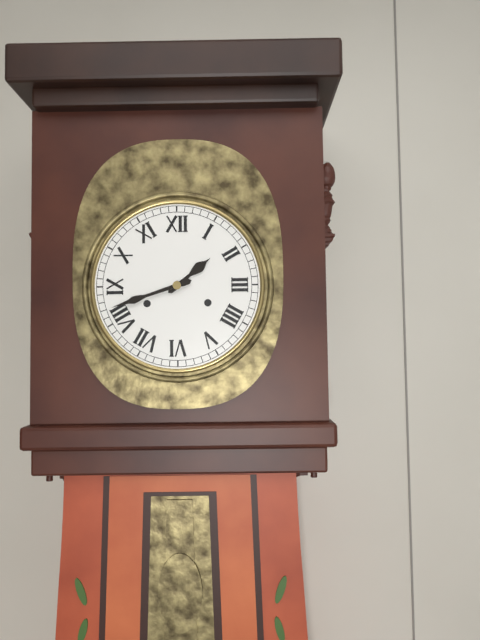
1,42
